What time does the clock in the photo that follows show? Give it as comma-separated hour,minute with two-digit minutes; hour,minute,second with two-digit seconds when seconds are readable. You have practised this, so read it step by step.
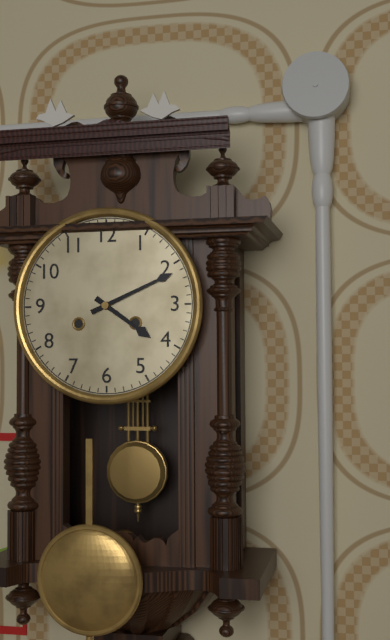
4,11
